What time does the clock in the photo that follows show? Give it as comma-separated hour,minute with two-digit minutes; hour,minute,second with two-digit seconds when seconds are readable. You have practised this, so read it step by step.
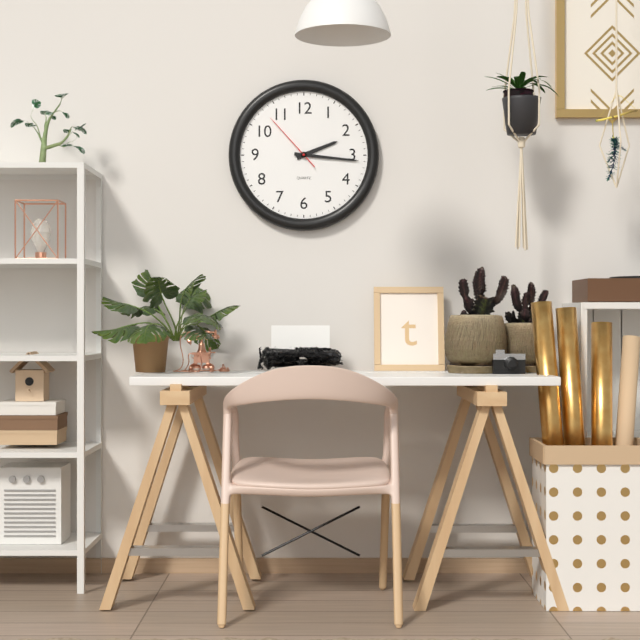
2,16,53
